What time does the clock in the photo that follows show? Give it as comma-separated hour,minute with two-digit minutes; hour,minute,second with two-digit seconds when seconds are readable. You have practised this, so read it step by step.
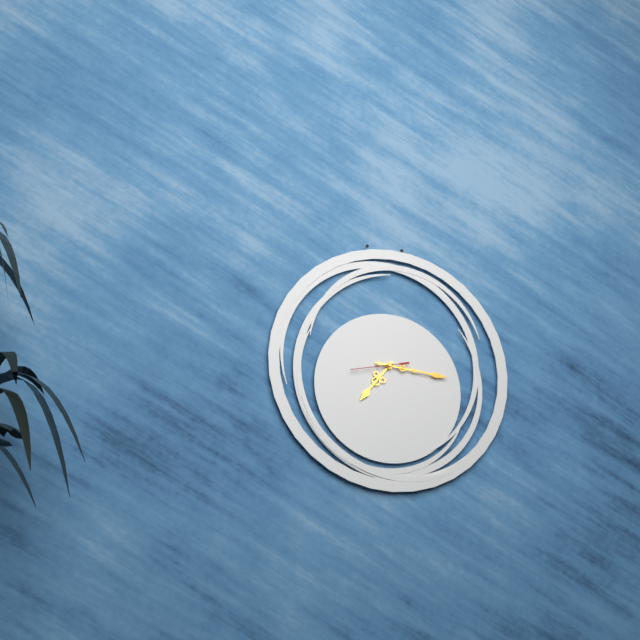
7,16
